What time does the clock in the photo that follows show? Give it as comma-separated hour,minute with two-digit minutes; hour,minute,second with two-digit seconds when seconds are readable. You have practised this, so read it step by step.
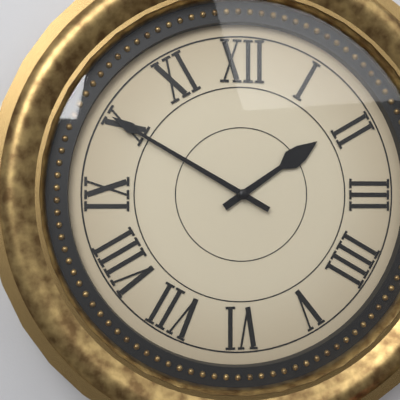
1,50
